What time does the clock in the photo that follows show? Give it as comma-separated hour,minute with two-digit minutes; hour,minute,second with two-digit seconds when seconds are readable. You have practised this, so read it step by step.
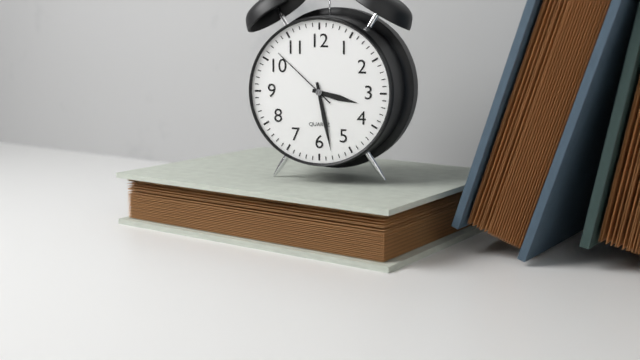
3,28,52
